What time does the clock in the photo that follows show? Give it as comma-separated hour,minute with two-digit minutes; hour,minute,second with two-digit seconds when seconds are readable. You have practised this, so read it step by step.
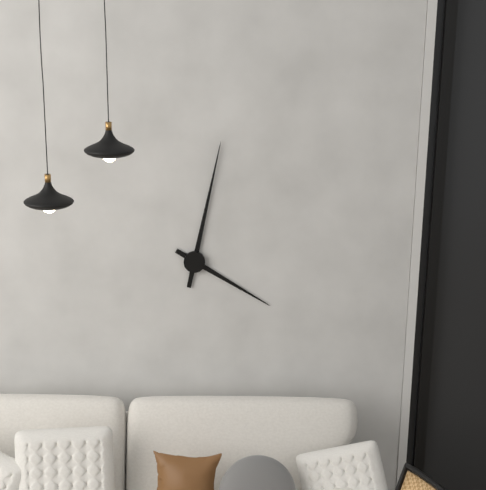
4,02
